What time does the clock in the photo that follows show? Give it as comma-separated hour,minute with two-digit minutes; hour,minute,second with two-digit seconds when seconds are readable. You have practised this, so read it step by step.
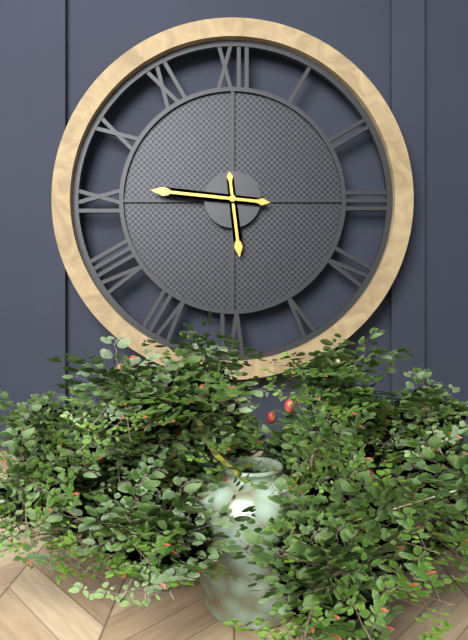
5,46
